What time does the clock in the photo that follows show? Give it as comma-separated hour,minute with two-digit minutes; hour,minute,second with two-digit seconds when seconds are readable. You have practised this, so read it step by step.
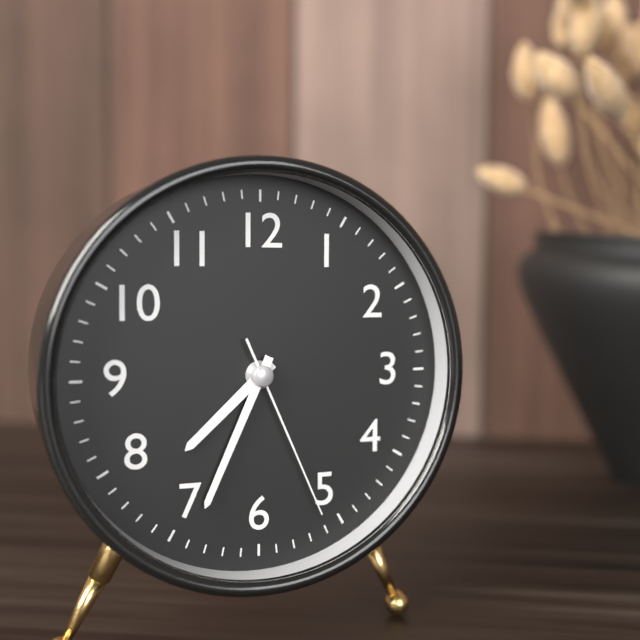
7,34,26
